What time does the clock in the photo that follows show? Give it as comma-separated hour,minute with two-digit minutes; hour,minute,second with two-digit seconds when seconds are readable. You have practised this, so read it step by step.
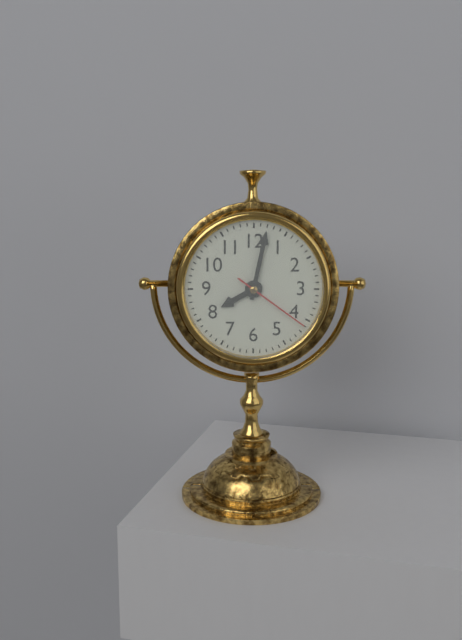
8,02,21
